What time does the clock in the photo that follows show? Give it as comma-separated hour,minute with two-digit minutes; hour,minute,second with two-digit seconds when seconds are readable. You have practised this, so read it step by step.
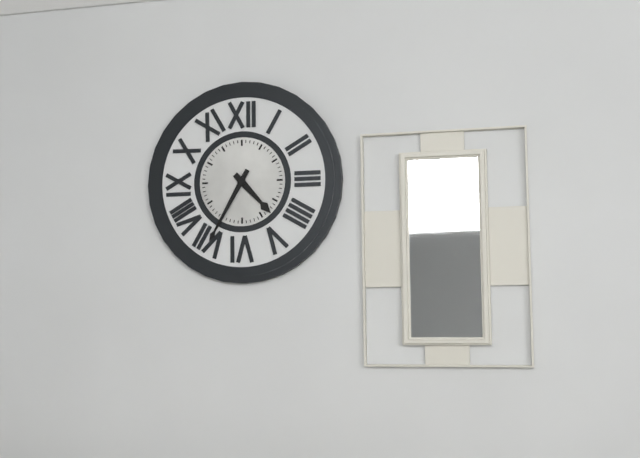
4,35
